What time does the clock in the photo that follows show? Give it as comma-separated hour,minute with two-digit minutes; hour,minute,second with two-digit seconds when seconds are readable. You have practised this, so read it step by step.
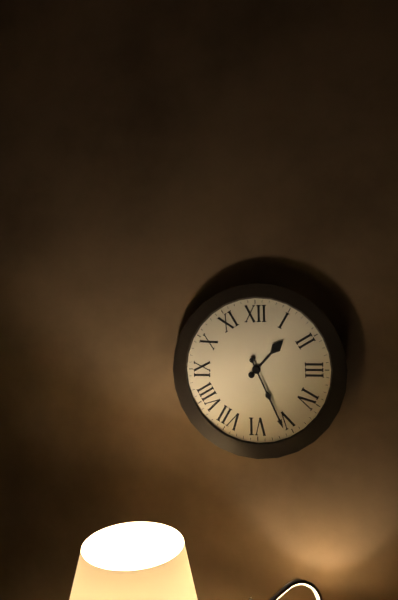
1,26
